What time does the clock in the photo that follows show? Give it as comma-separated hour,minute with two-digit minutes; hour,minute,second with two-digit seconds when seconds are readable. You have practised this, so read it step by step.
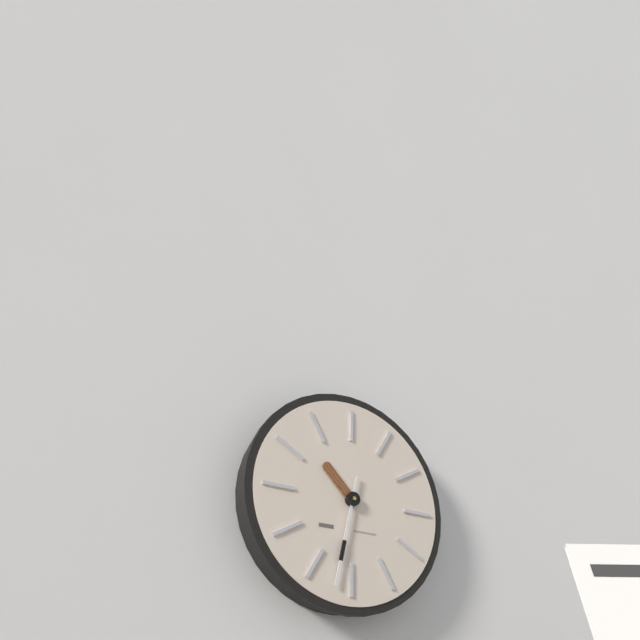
10,32
